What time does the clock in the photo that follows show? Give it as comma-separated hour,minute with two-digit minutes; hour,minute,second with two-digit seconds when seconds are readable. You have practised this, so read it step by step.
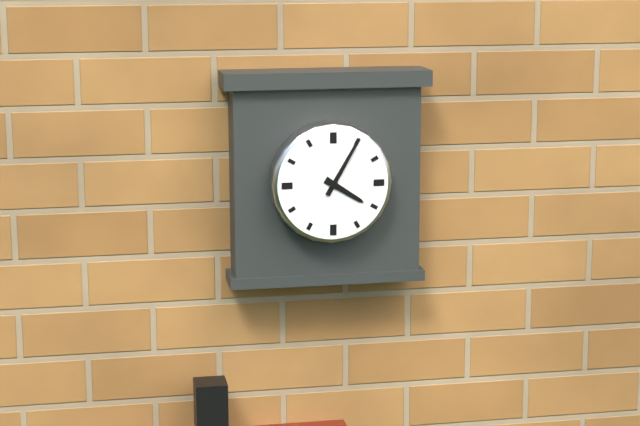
4,05
